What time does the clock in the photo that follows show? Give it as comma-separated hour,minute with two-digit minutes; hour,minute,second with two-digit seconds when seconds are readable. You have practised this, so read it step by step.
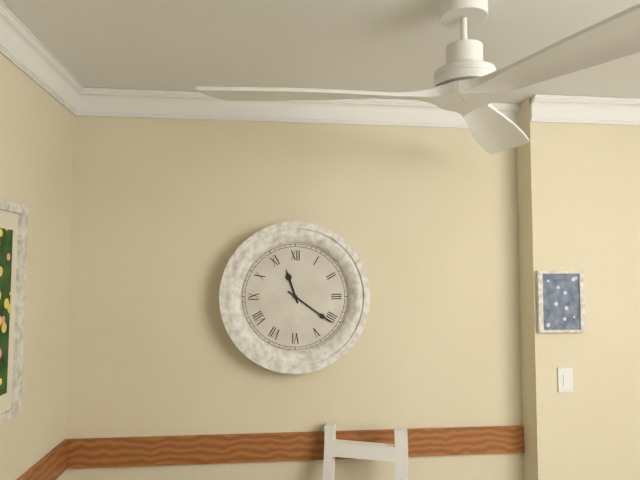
11,21
